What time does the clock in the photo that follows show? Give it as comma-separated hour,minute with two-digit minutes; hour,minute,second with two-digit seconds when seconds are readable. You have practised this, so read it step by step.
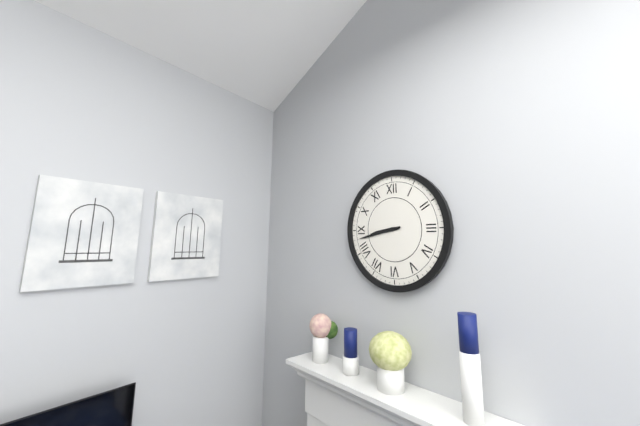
8,43
